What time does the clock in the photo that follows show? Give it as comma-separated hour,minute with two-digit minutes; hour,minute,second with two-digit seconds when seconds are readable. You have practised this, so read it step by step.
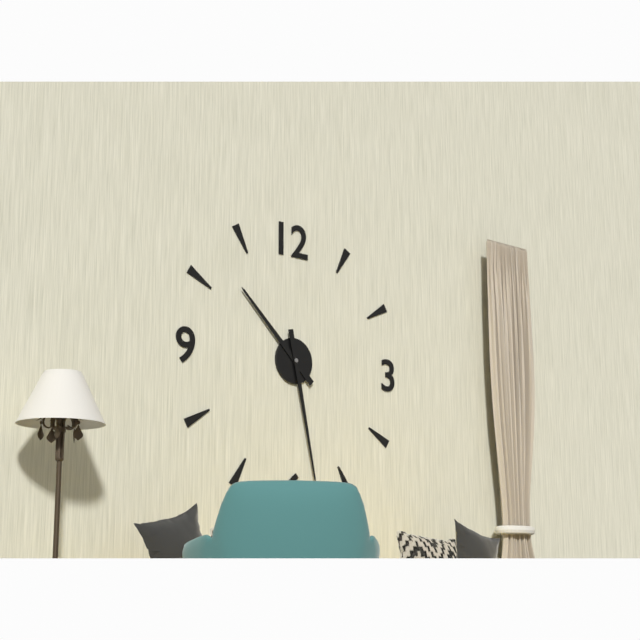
10,28
